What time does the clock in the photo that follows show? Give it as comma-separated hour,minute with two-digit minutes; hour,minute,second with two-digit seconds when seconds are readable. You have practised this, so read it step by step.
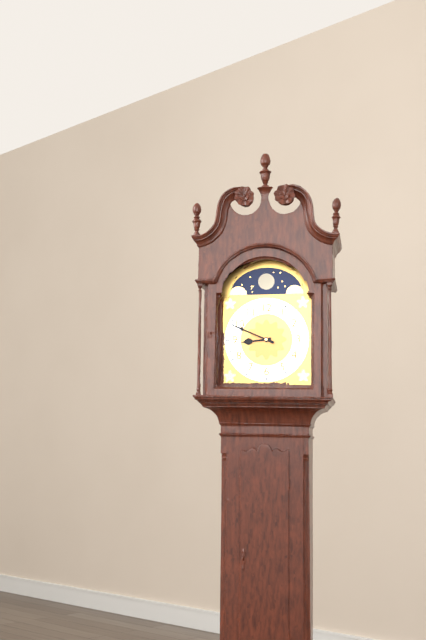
8,49
